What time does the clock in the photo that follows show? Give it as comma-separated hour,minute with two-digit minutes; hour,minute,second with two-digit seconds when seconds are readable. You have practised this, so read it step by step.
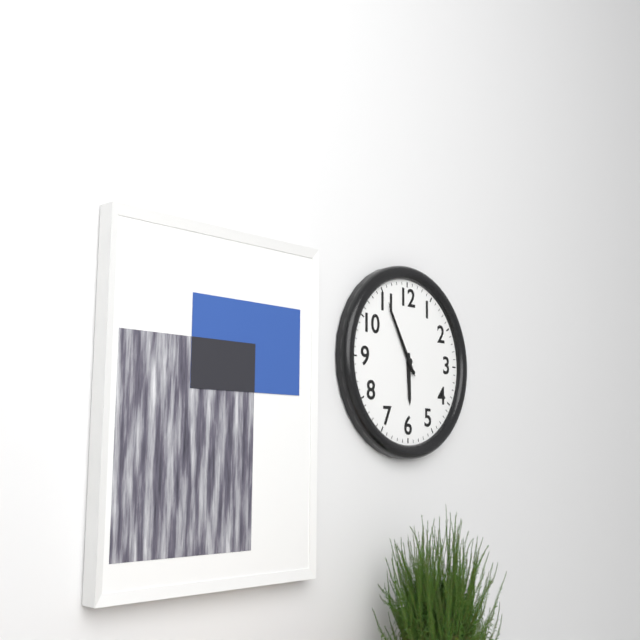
5,55,55
